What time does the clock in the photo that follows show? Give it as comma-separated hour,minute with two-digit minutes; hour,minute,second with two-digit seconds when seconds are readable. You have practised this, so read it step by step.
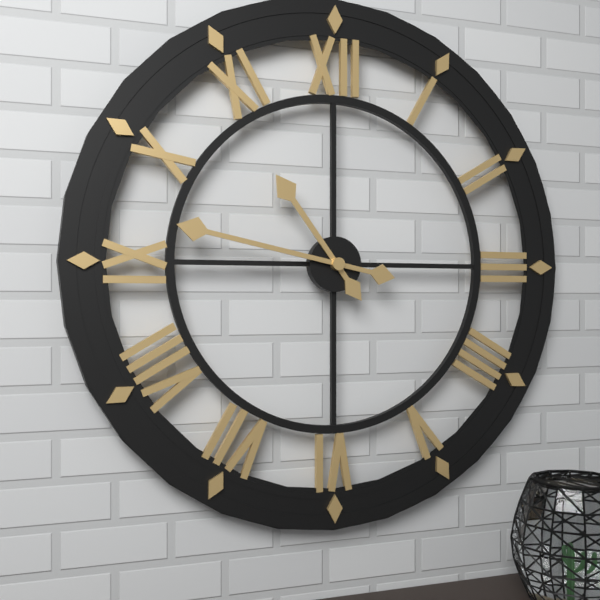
10,47
